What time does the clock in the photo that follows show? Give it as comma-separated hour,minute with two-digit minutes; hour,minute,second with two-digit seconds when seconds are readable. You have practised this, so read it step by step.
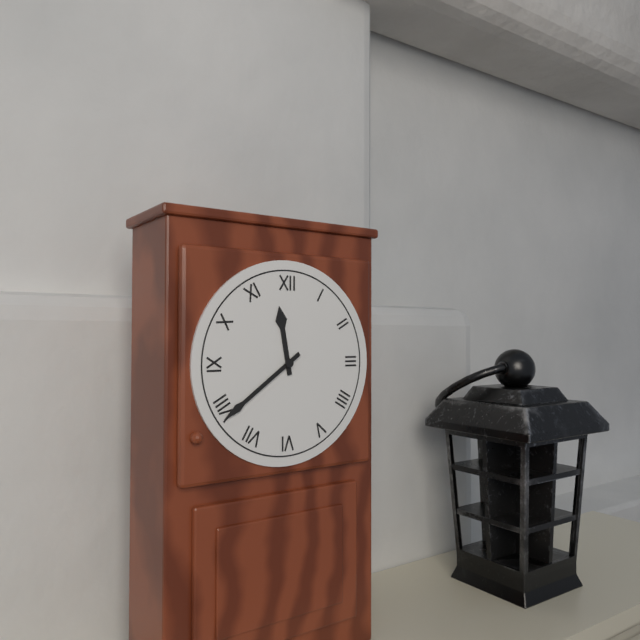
11,39
